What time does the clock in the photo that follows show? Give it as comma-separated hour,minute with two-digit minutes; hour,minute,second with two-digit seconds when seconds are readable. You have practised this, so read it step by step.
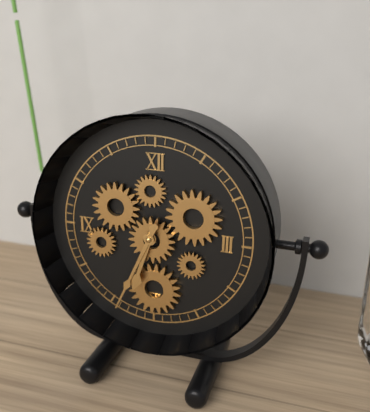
6,34
